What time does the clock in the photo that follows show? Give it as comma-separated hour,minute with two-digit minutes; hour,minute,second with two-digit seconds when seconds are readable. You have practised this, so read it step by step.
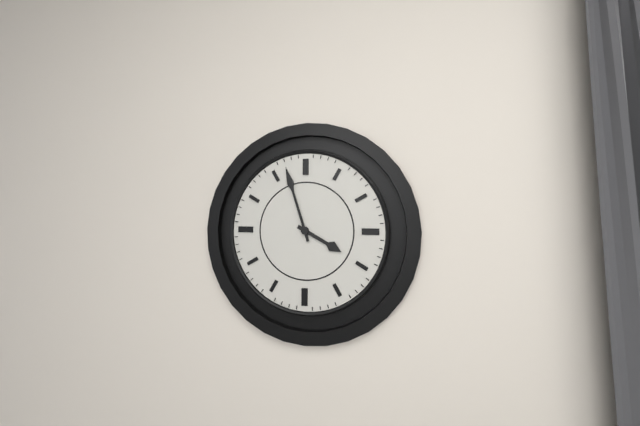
3,57
